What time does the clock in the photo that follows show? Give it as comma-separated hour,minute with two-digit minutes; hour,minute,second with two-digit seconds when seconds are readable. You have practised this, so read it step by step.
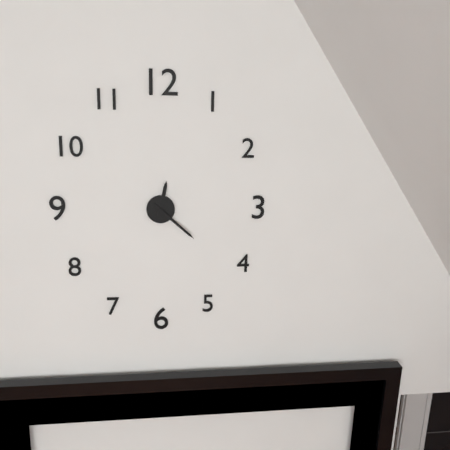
12,22
